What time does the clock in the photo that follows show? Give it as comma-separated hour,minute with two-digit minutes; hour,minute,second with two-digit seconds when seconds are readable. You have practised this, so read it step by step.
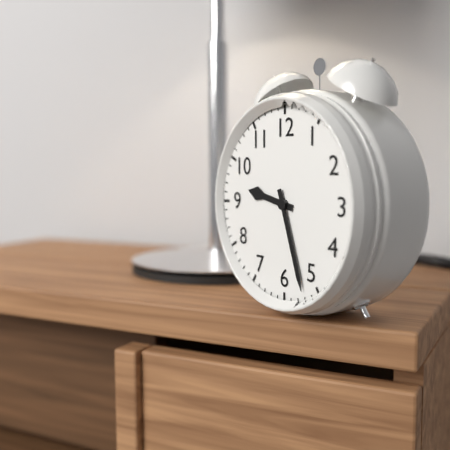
9,27
